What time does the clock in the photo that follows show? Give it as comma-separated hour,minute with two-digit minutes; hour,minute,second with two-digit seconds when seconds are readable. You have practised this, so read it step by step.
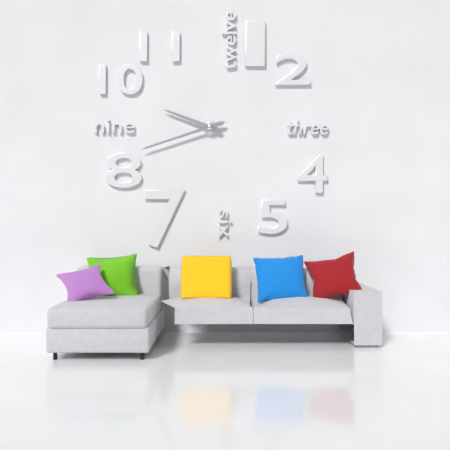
9,42
